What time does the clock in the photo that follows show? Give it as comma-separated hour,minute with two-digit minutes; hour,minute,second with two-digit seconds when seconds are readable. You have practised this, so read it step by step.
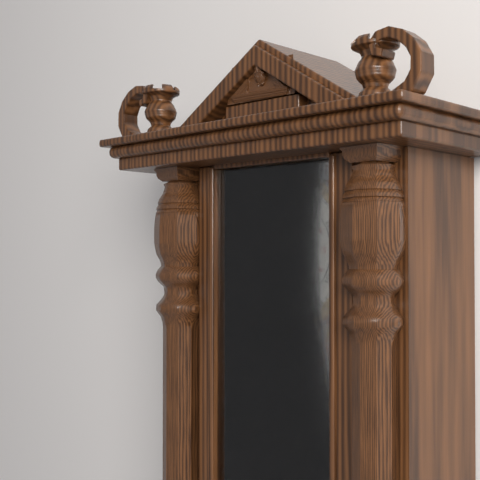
8,37
